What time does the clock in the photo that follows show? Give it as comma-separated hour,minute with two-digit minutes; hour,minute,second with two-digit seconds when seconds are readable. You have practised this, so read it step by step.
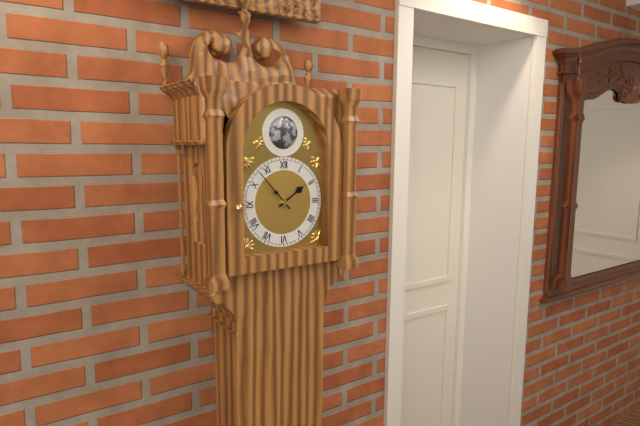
1,53
